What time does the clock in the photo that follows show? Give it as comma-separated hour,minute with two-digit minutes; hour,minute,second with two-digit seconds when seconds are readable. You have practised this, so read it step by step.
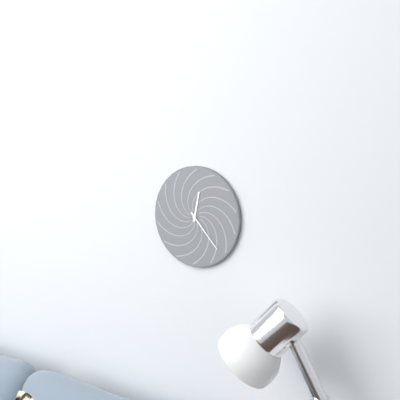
12,23
